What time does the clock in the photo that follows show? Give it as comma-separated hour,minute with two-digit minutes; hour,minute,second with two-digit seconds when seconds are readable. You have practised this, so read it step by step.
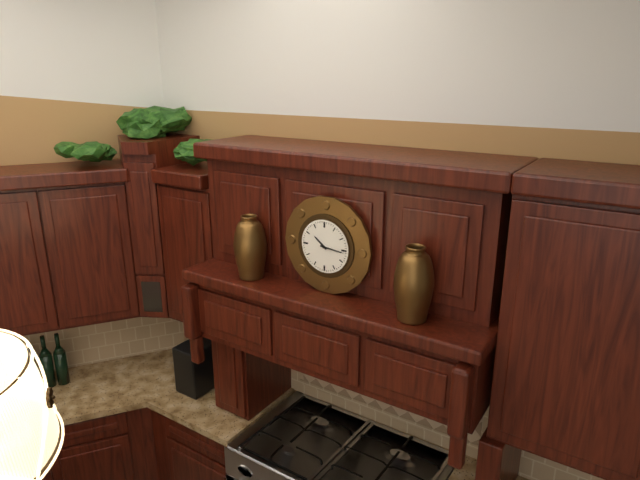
10,16
